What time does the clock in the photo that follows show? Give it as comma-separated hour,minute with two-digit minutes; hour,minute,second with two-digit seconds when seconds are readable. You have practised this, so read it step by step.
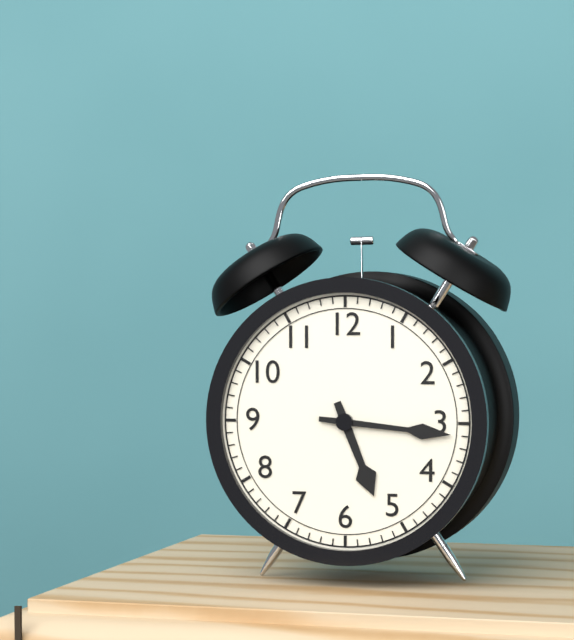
5,16
